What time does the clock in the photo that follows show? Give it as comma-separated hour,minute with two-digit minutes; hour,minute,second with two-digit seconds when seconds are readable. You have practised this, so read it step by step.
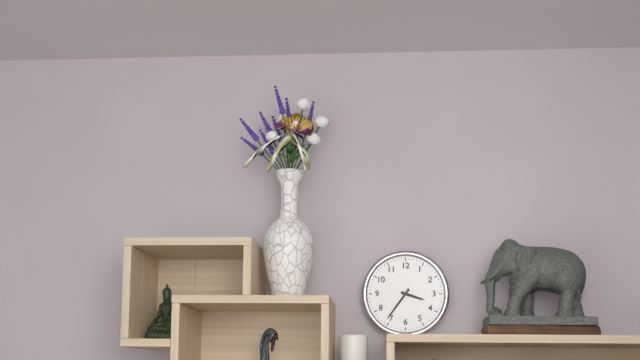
3,36
